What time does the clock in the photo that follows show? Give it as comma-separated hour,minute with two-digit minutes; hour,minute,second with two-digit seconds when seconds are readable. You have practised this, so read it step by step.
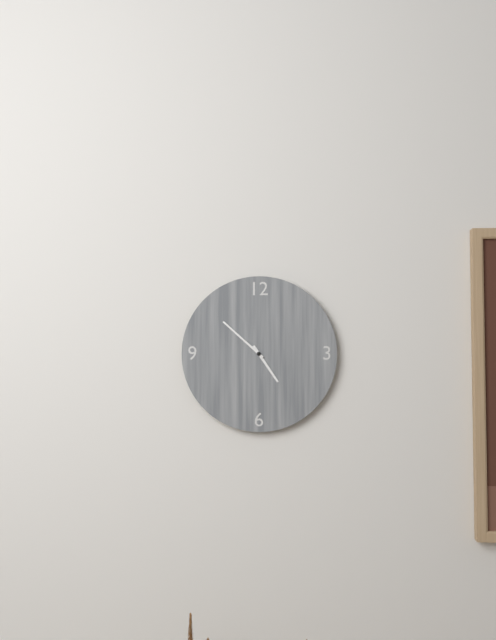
4,52
